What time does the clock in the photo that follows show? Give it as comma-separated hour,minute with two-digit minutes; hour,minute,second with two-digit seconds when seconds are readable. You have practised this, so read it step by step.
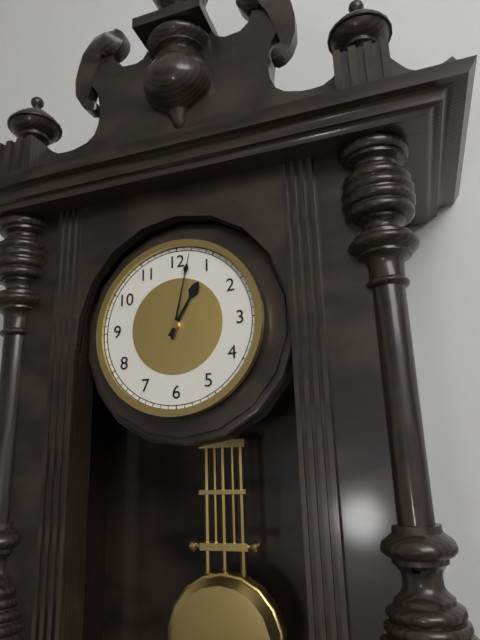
1,02
